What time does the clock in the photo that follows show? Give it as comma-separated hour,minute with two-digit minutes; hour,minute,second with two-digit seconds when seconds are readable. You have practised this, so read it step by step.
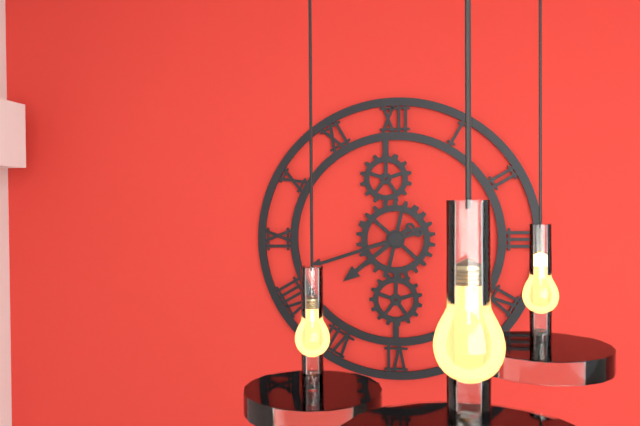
7,42
